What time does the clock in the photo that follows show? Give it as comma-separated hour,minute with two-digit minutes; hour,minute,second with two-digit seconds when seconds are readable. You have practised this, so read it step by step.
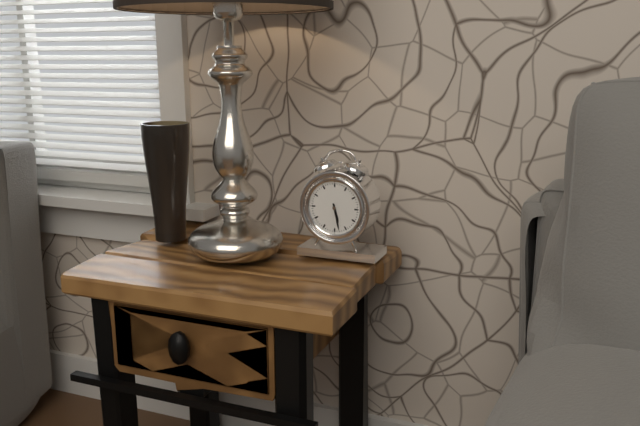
5,28
